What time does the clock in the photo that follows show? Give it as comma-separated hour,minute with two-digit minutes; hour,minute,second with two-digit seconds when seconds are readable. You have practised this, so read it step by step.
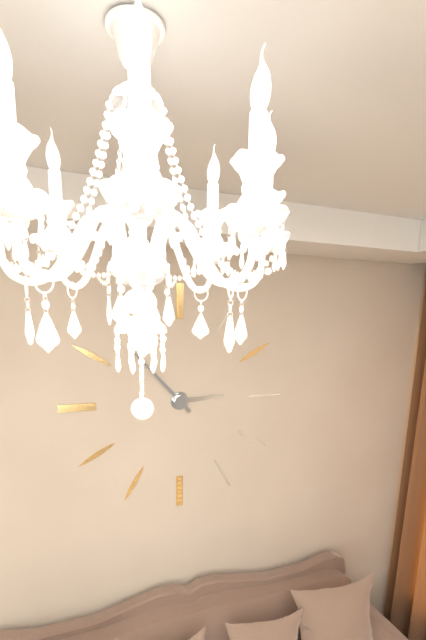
2,53
